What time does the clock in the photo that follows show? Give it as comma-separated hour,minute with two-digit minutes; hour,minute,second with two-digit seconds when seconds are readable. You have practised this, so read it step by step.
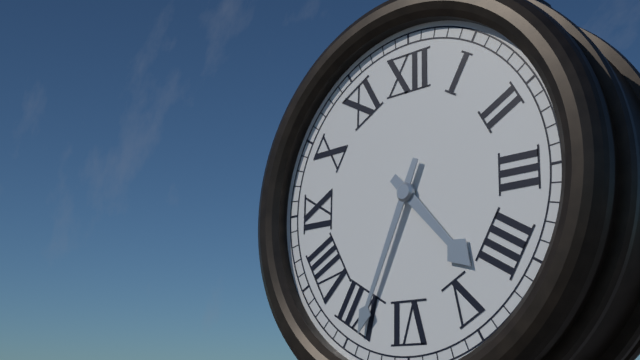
4,34
